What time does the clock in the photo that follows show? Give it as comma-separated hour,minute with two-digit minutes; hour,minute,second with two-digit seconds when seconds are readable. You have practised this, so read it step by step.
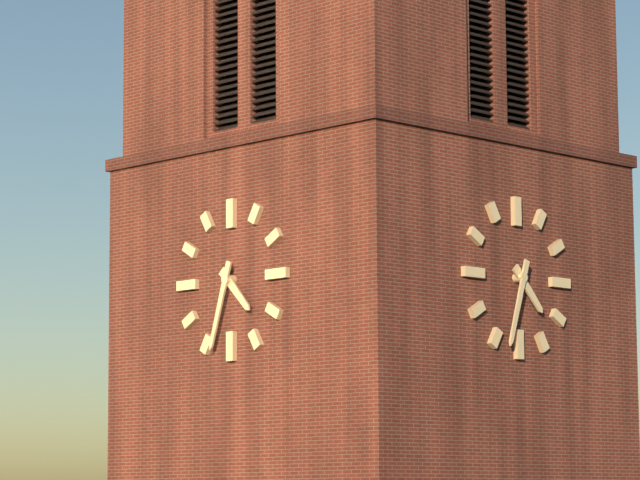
4,33
